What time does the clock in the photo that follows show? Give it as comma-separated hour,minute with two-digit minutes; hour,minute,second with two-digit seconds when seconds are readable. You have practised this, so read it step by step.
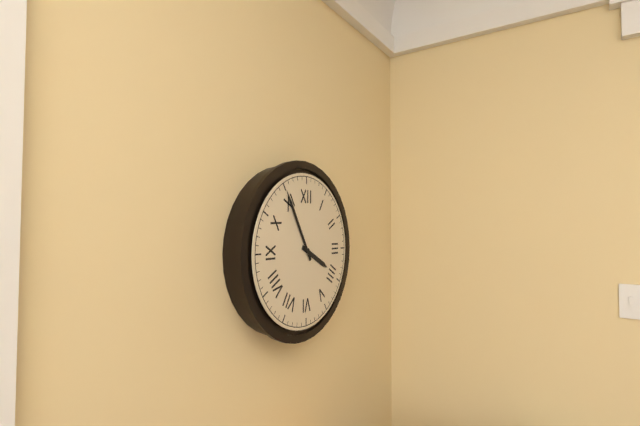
3,55
